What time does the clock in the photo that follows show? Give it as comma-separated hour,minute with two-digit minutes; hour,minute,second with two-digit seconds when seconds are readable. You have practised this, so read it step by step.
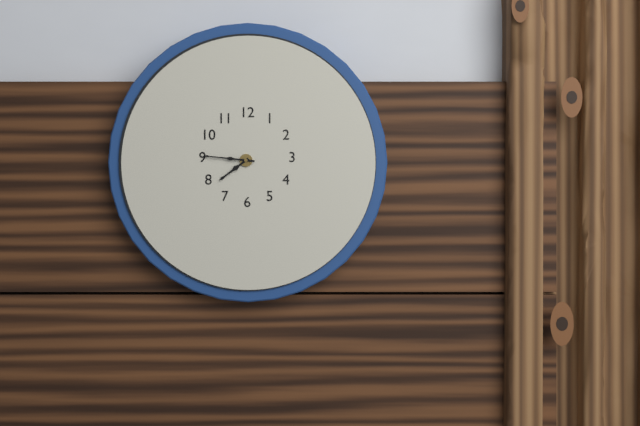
7,46
